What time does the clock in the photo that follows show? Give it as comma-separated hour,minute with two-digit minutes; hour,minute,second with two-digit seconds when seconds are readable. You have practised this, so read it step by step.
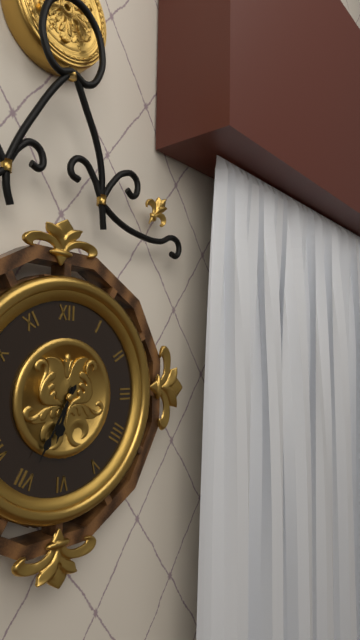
6,35
